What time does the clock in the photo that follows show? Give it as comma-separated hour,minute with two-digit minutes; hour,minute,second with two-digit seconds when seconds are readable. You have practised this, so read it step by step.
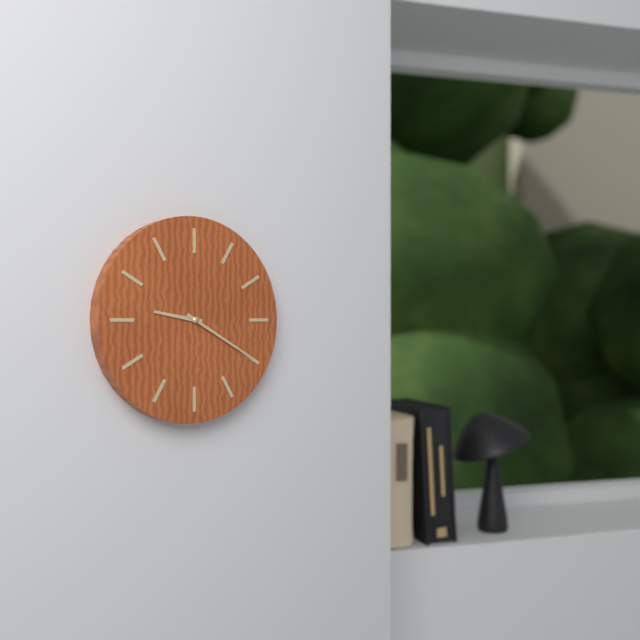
9,20
